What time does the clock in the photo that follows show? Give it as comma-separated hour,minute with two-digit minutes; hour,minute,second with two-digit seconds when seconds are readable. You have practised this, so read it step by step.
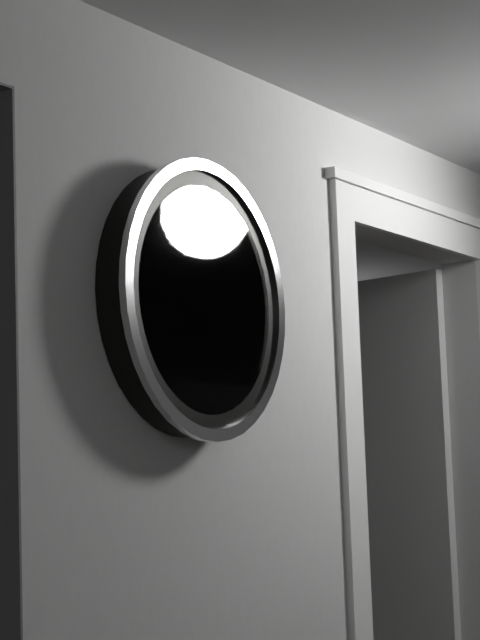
6,20
